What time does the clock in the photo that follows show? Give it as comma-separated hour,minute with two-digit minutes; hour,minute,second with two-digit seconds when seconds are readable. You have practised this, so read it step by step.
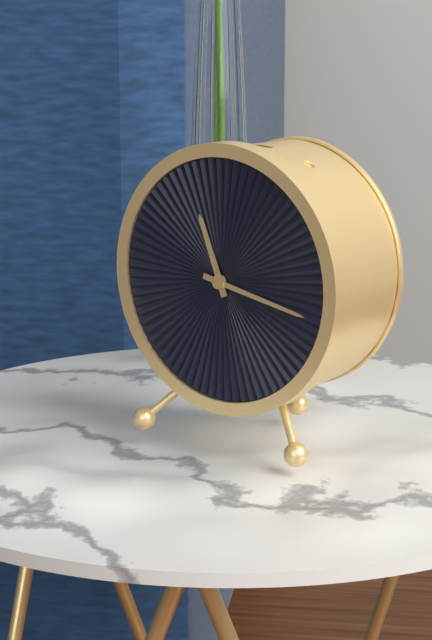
11,17
